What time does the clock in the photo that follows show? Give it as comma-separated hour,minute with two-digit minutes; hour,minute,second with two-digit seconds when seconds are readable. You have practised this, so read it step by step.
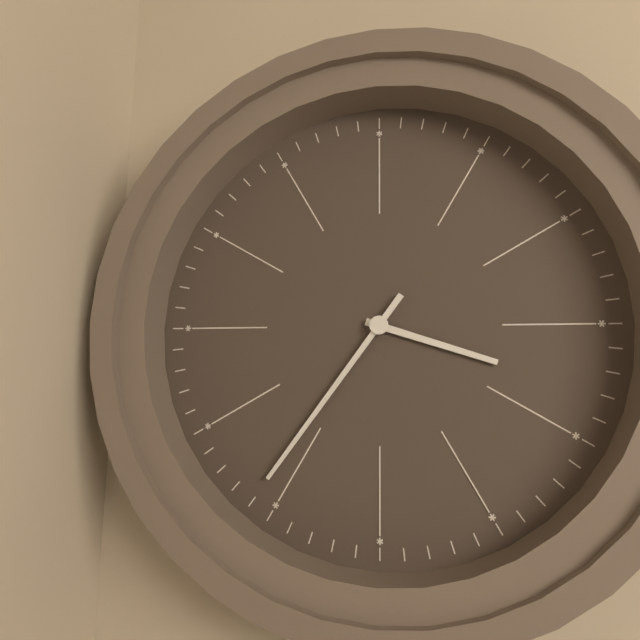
3,36
